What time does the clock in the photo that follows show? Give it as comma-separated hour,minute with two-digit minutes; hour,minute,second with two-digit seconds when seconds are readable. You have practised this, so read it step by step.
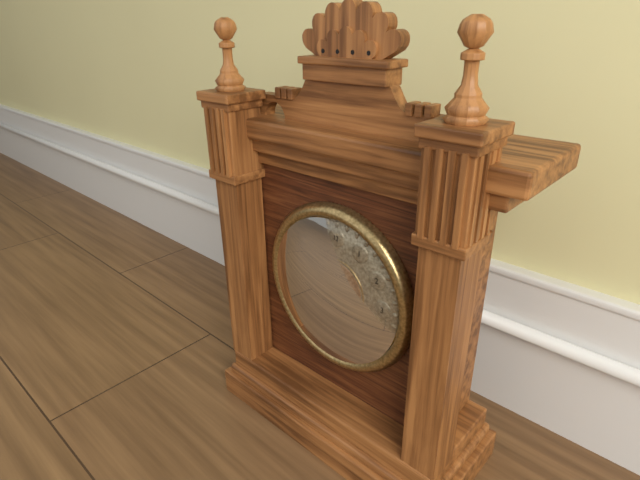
6,26
